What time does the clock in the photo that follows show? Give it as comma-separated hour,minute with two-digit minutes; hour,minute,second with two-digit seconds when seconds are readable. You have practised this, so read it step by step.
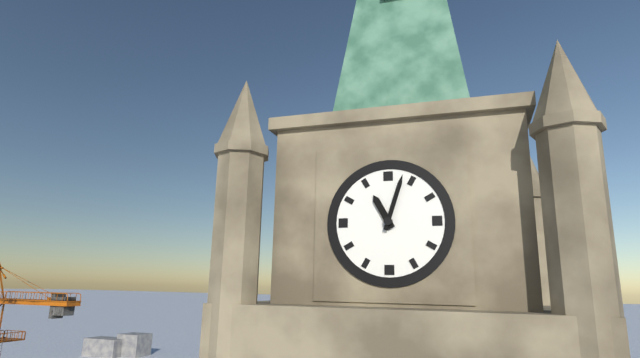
11,03
